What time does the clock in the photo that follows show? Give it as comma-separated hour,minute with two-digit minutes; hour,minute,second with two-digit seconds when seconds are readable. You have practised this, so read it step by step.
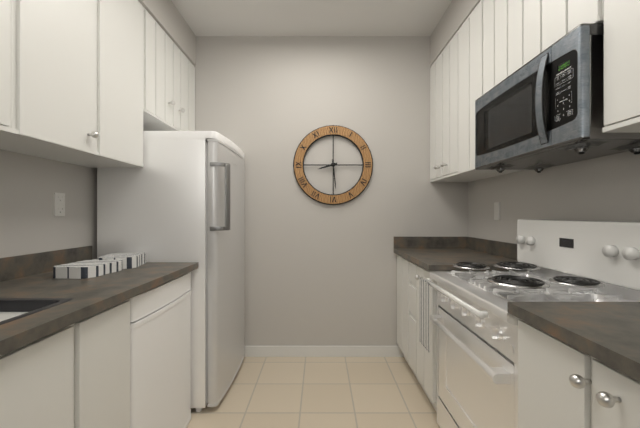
8,29
